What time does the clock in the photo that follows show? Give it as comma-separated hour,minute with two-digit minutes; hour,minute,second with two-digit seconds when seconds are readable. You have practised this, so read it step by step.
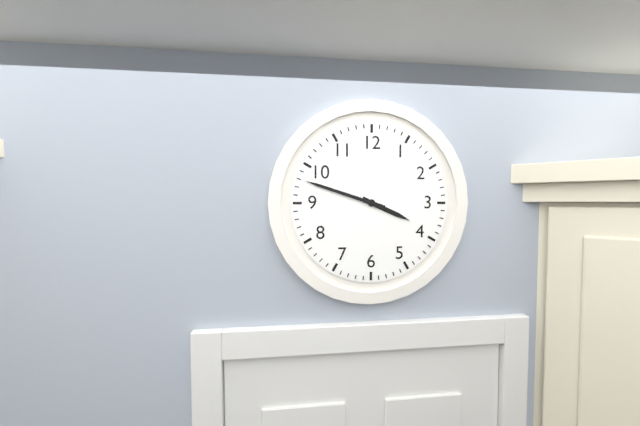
3,48
